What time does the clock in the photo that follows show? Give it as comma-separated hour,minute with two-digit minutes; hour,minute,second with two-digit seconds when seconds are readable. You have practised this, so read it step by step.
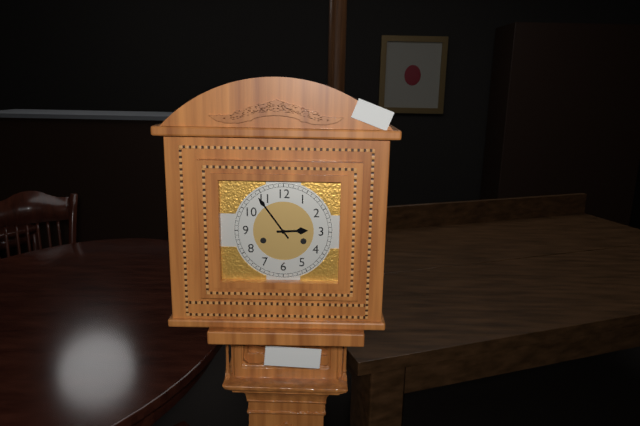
2,54
